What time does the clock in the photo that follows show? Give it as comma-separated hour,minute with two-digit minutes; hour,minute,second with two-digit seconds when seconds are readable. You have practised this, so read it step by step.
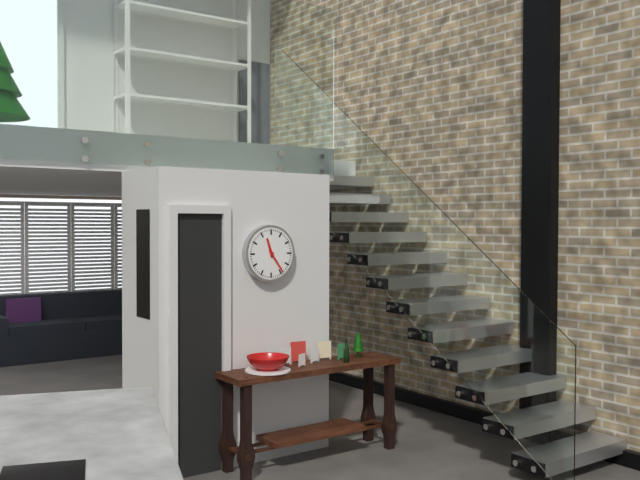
11,24
